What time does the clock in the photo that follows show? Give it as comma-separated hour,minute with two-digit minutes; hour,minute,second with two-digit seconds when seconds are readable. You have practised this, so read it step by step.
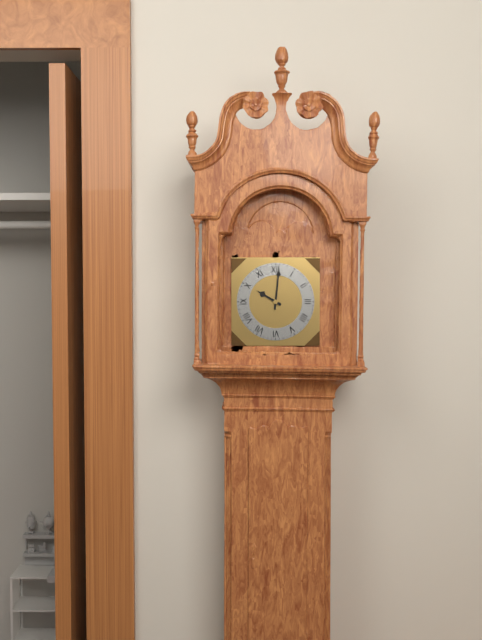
10,01
